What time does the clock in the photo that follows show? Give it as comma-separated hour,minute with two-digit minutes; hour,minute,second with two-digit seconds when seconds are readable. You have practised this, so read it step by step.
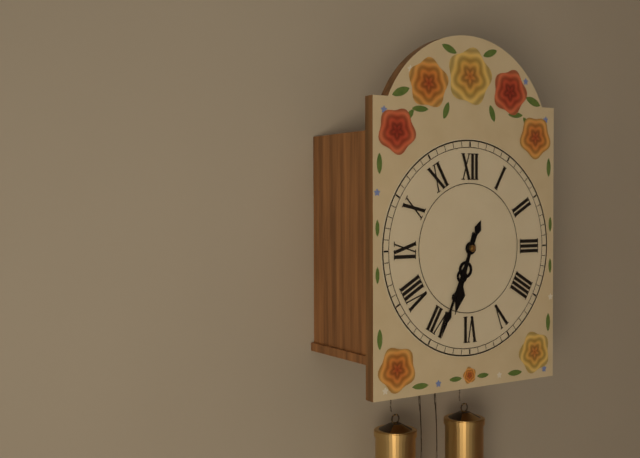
6,34
